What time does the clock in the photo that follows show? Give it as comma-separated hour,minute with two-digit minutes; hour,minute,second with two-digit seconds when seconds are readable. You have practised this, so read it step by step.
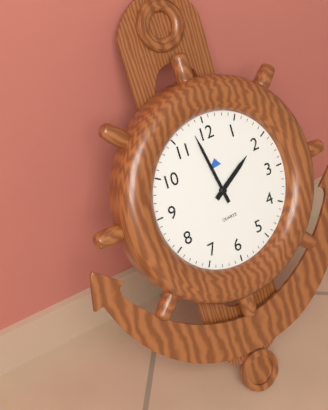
1,58
